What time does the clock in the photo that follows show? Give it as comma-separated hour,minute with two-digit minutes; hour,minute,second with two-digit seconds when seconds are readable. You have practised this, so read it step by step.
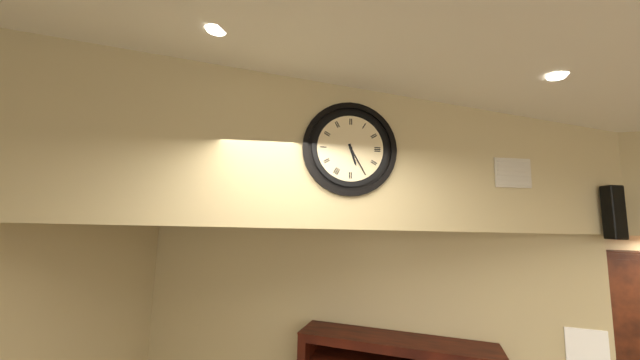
5,25
